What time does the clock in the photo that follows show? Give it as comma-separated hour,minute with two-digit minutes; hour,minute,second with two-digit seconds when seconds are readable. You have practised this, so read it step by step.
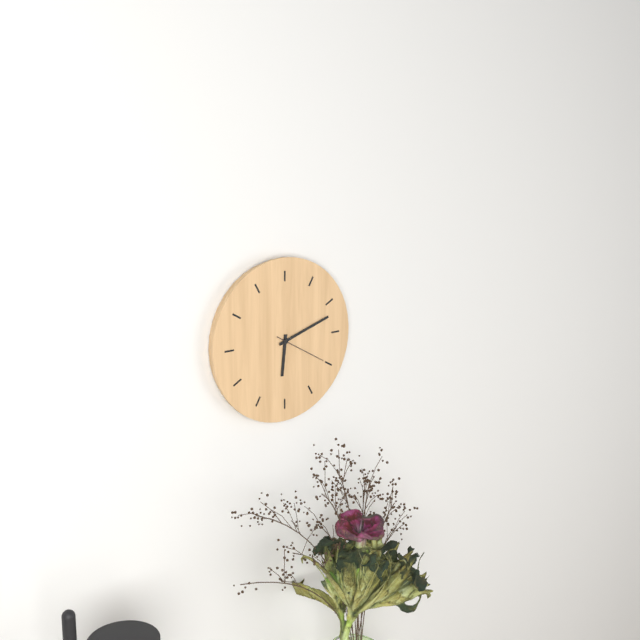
6,12,20
